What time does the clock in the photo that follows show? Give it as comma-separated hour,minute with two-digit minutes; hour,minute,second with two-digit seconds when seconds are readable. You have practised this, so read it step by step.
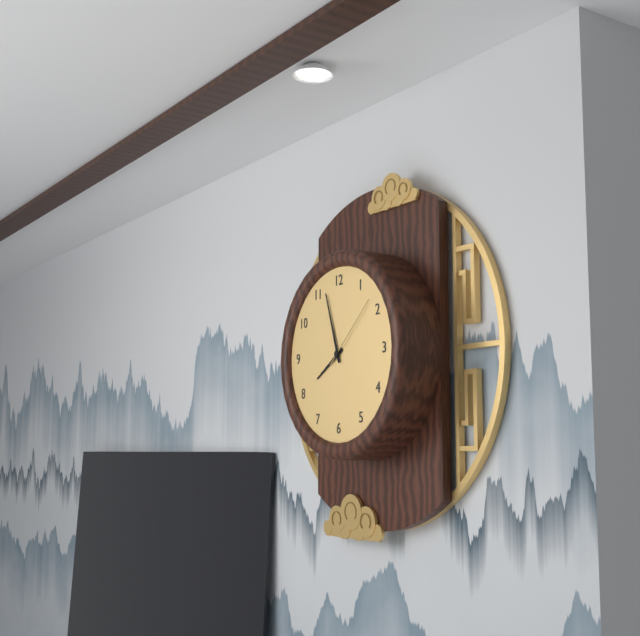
7,57,08
